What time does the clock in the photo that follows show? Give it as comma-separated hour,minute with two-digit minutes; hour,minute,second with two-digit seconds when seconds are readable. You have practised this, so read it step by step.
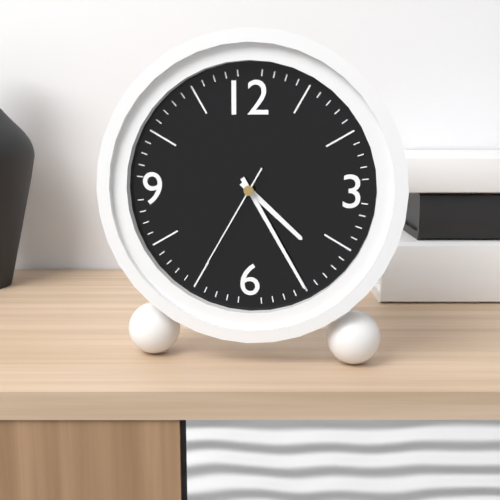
4,25,35
